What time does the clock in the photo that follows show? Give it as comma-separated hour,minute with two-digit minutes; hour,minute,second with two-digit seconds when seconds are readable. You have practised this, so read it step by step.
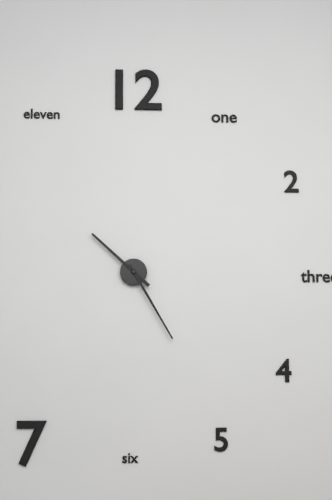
10,25
